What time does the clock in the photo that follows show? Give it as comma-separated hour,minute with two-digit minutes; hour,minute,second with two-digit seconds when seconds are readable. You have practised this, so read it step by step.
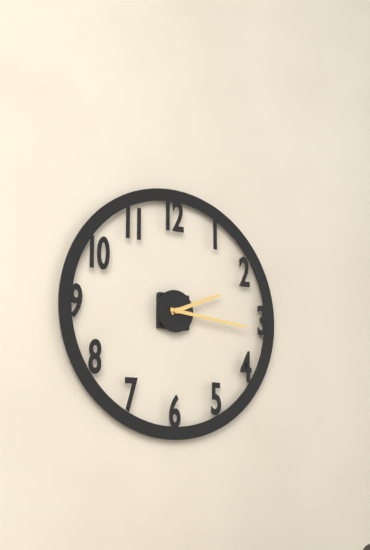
2,16
